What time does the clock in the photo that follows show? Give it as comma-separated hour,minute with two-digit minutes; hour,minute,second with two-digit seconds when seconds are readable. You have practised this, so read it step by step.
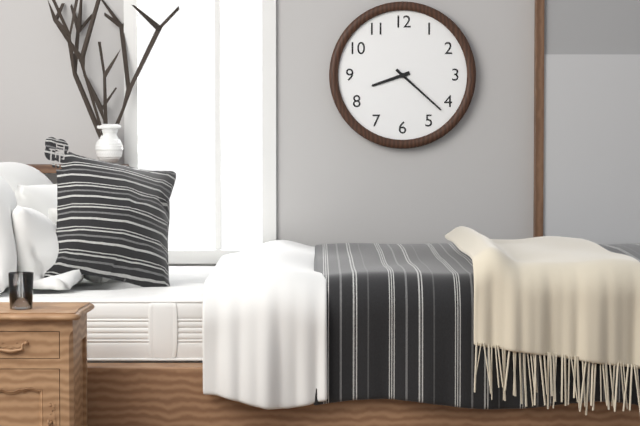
8,22
